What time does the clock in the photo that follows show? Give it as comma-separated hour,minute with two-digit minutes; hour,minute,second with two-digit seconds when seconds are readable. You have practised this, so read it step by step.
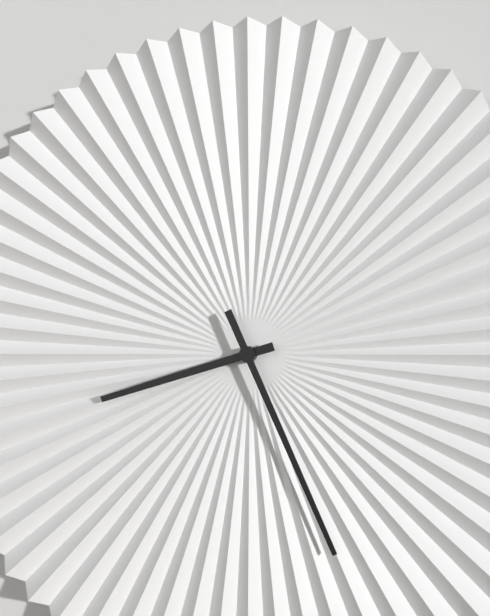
8,26
